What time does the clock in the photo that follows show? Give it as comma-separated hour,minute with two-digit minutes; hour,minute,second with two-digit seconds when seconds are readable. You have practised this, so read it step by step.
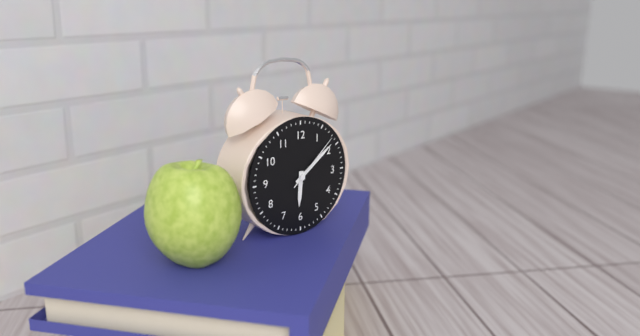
6,09,08
